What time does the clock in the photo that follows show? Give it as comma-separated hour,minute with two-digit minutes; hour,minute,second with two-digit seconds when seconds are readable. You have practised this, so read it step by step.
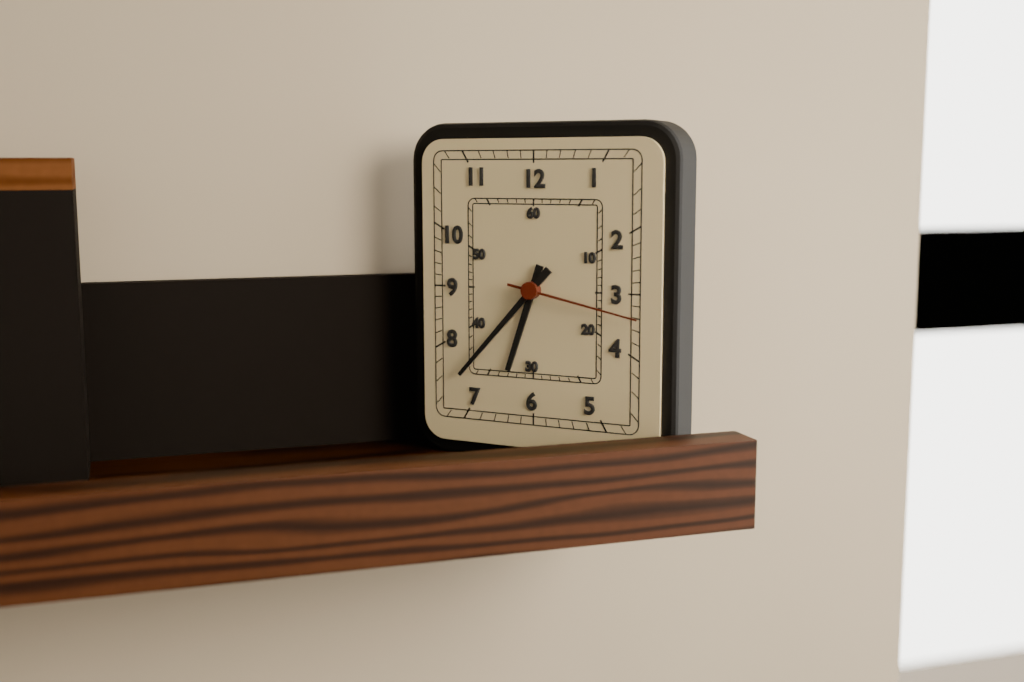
6,37,17
